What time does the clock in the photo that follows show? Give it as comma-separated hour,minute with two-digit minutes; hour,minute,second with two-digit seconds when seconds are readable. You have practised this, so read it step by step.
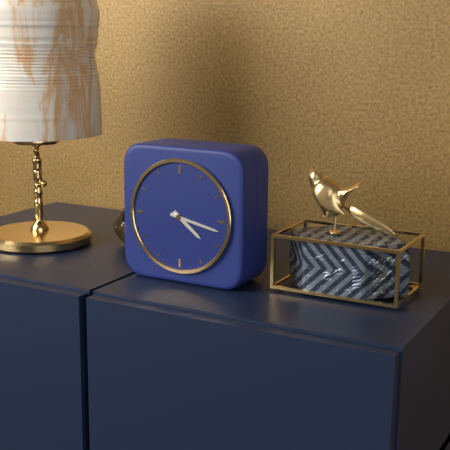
4,17
